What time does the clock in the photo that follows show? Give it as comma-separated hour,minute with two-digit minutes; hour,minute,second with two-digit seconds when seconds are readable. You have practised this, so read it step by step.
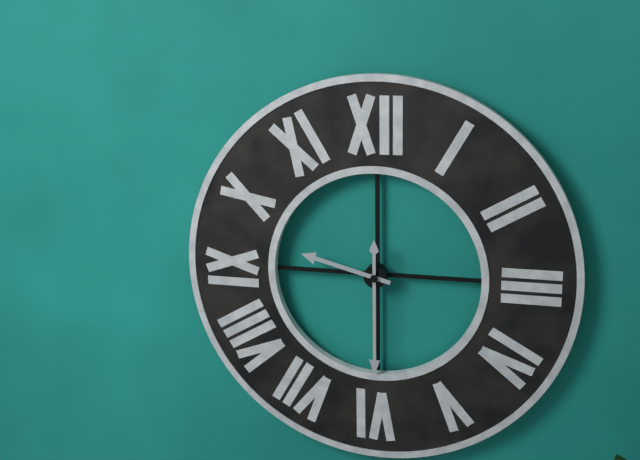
9,30
